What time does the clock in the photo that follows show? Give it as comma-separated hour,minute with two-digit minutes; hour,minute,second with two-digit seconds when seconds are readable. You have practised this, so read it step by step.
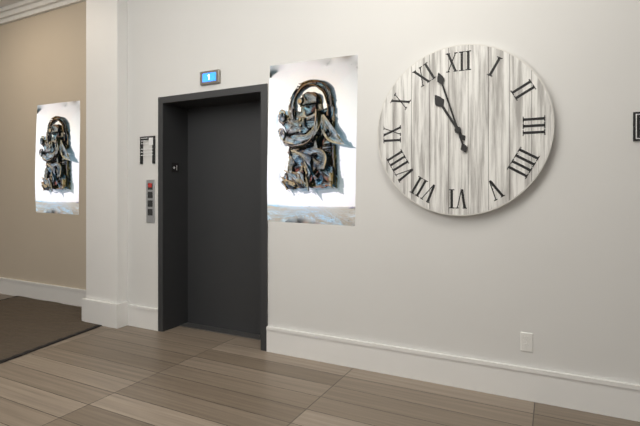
10,57
